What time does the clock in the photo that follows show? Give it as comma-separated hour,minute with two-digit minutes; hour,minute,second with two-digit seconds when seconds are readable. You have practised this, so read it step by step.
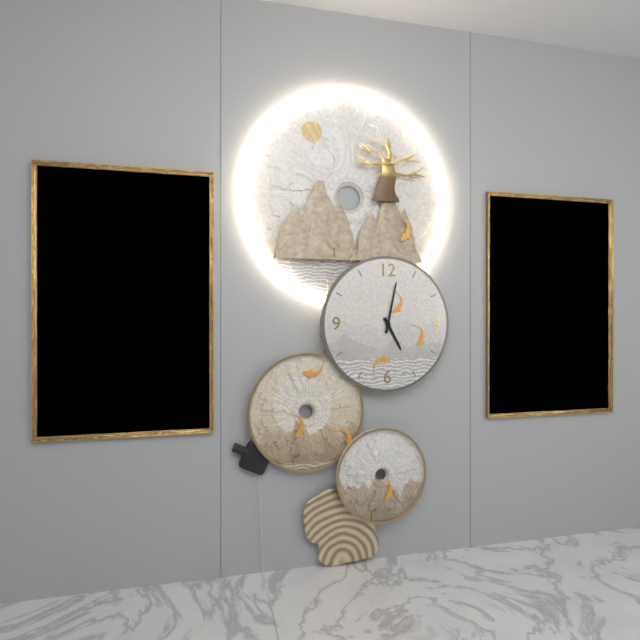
5,02
